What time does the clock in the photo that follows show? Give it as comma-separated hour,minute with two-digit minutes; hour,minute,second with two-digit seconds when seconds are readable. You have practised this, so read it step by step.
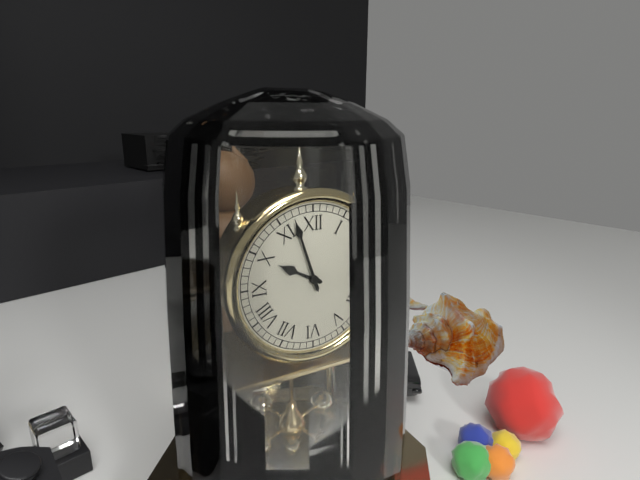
9,57
